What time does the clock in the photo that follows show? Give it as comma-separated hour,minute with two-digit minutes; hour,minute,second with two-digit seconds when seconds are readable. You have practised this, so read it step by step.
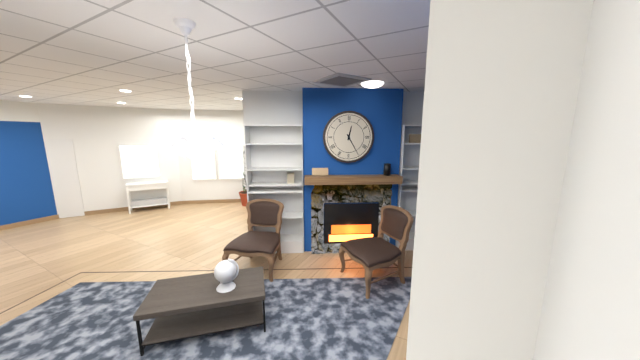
12,25
